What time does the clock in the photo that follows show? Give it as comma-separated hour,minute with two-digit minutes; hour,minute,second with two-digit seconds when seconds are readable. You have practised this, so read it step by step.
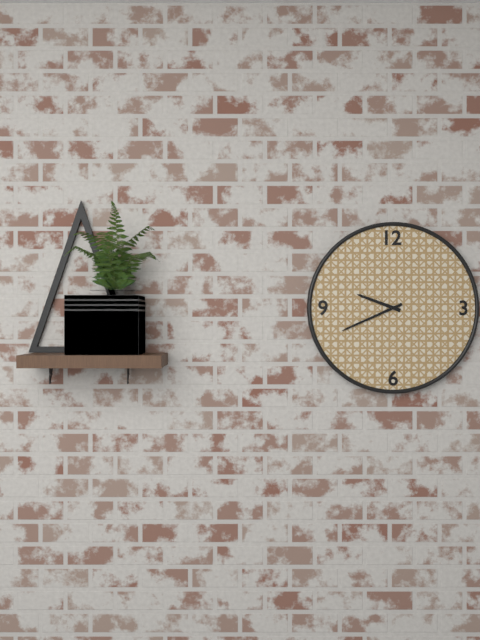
9,41
